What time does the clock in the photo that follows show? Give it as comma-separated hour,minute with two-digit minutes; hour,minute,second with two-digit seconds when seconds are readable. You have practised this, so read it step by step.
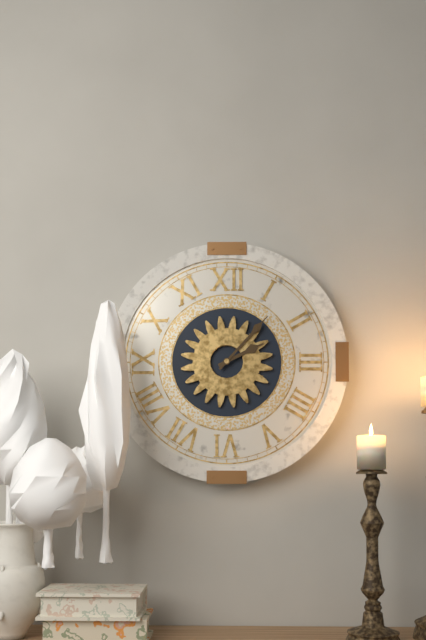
2,07
